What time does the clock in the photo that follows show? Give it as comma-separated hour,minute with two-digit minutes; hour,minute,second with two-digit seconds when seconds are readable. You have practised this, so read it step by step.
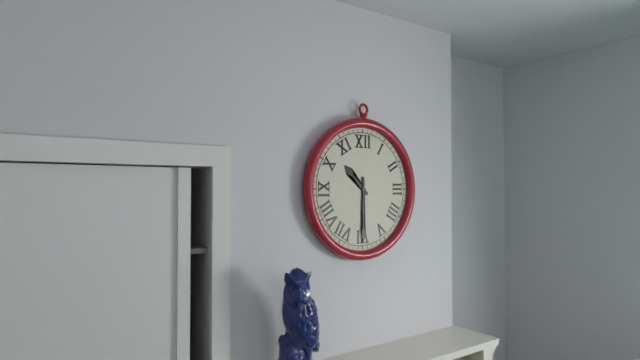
10,30
